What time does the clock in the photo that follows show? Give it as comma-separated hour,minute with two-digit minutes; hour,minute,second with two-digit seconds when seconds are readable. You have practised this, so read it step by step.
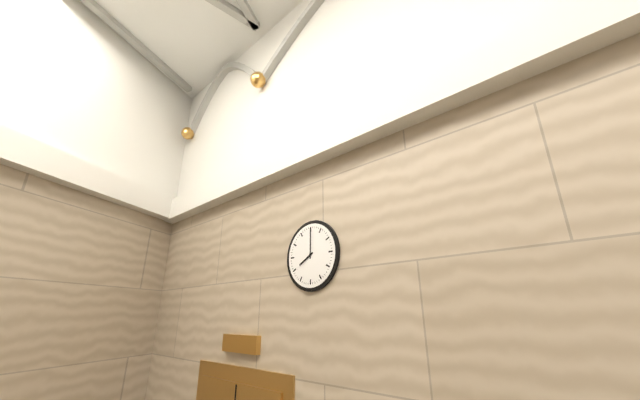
8,00
